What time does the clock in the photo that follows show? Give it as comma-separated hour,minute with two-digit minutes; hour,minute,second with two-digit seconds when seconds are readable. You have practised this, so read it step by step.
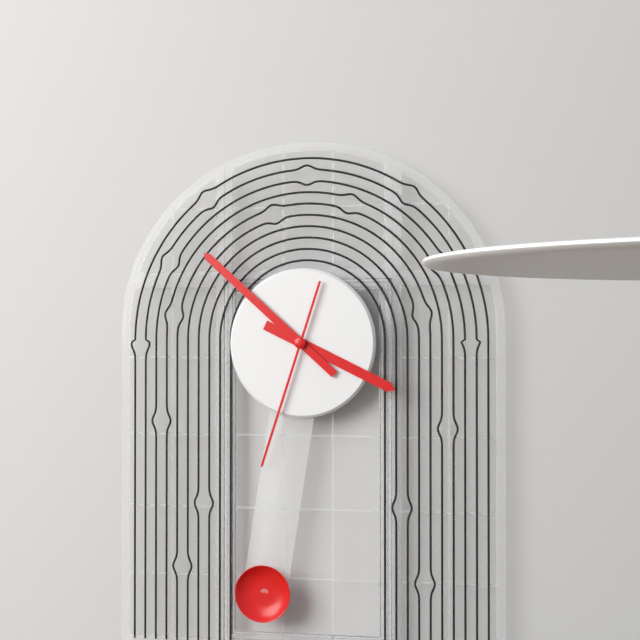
3,52,33
